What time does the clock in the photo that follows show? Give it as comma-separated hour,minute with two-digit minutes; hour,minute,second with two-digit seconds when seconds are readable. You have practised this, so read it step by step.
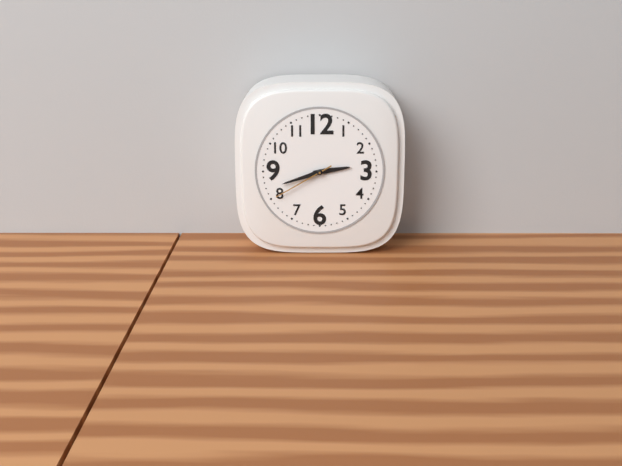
2,42,40
